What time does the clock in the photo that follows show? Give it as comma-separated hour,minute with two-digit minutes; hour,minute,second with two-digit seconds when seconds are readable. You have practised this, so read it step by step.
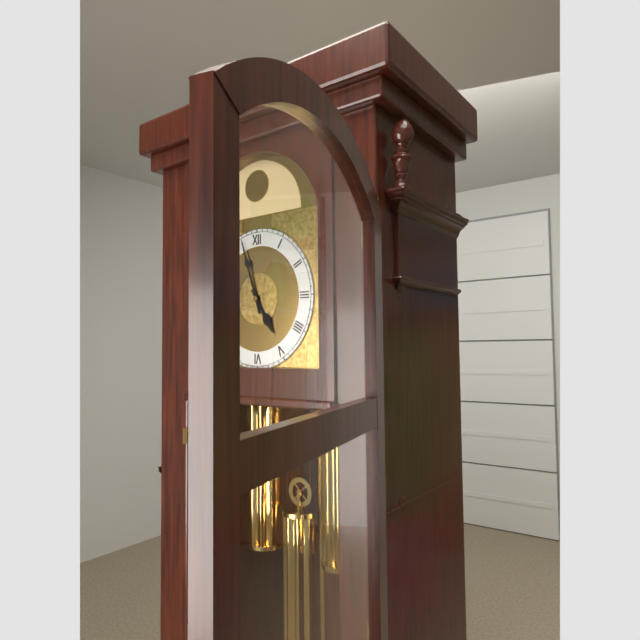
4,57
